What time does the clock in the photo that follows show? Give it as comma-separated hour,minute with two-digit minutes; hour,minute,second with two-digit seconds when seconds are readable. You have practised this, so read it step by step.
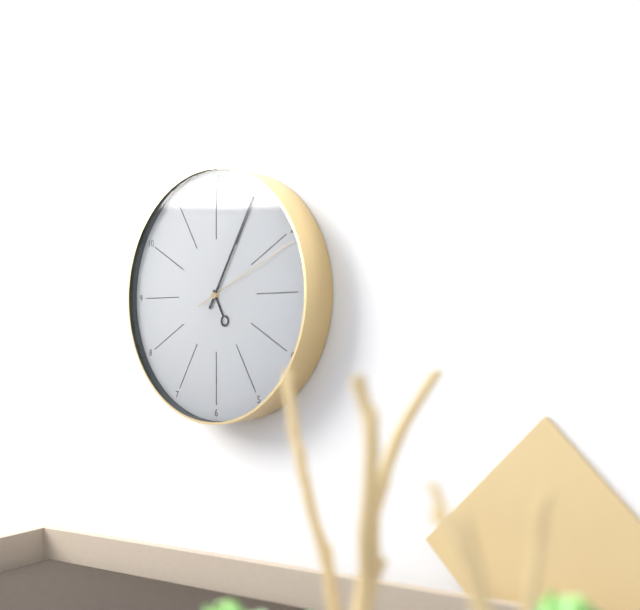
5,05,11
